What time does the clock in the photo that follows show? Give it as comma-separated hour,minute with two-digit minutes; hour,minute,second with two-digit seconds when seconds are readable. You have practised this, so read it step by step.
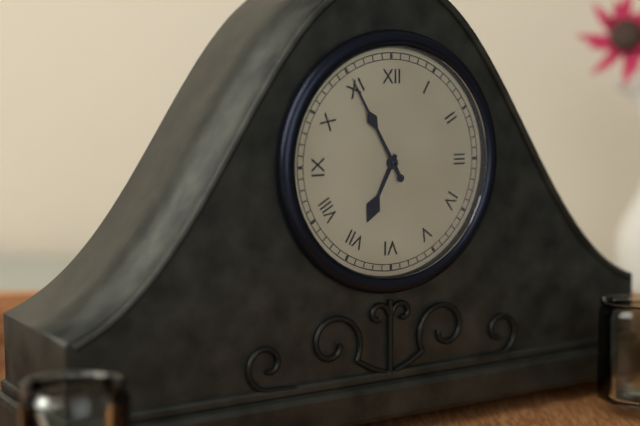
6,55
